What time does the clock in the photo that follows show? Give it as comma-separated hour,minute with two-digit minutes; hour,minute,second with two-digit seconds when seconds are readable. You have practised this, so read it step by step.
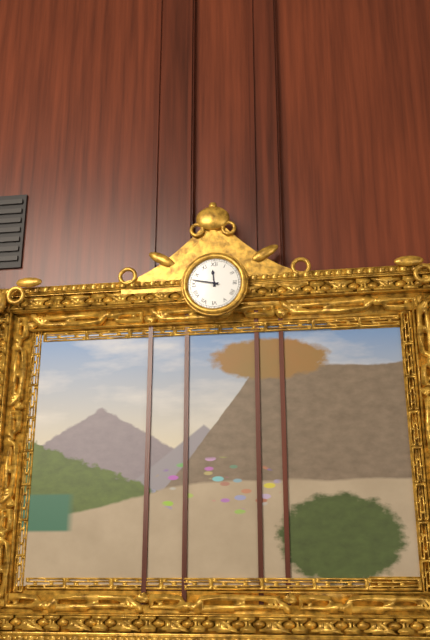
11,47
